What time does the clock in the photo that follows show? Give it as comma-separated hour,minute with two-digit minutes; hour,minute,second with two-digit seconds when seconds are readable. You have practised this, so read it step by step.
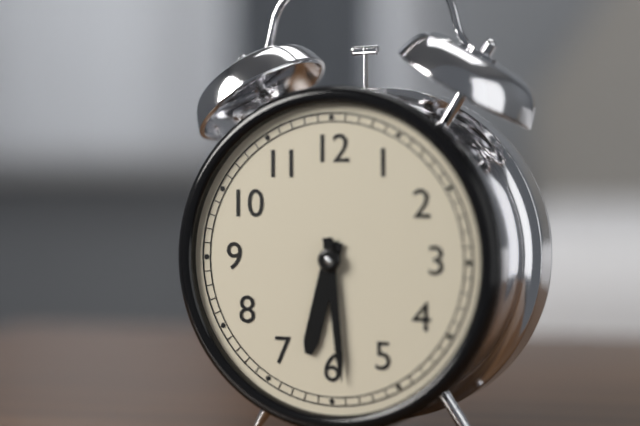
6,29
